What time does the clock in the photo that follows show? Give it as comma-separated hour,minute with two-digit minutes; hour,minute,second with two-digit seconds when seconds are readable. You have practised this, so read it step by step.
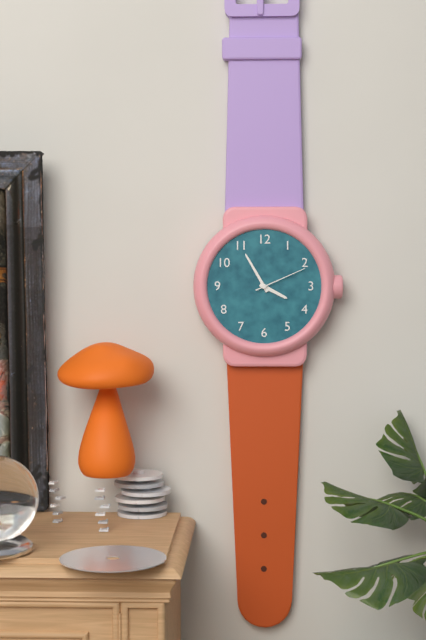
3,55,11
